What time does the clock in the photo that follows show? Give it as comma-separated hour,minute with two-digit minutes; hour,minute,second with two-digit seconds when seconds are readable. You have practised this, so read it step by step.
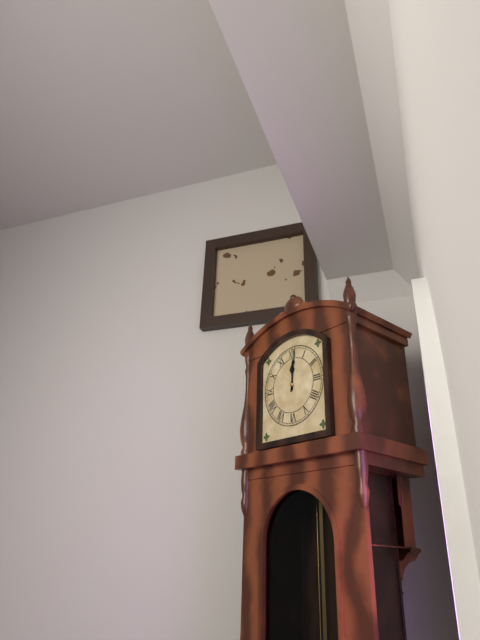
12,01
